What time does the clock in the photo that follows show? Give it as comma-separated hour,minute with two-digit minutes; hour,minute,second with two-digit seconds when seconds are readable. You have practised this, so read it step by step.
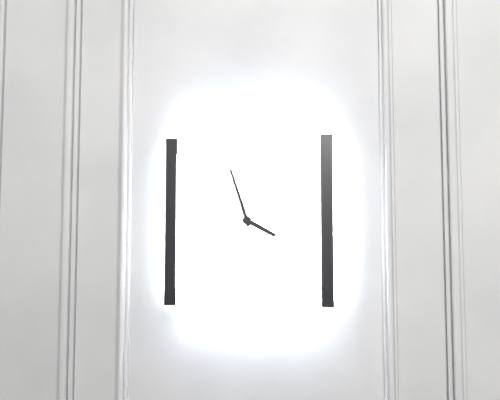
3,57
